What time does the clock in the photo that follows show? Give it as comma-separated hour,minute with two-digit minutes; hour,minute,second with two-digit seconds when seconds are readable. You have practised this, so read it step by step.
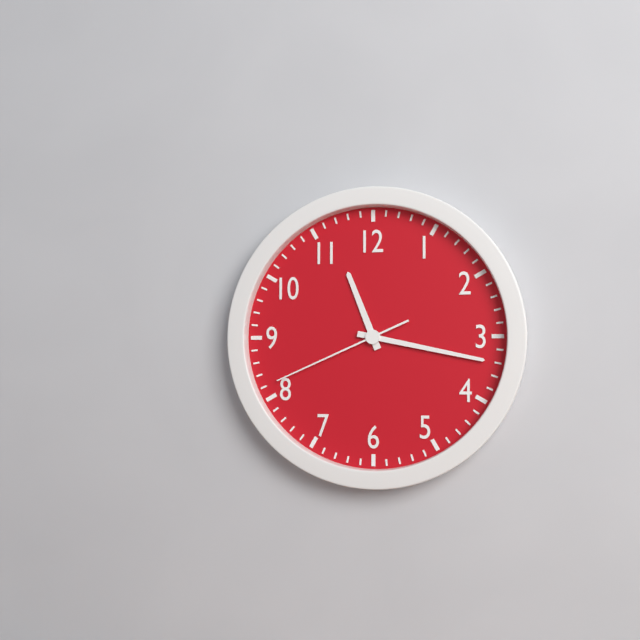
11,17,41
